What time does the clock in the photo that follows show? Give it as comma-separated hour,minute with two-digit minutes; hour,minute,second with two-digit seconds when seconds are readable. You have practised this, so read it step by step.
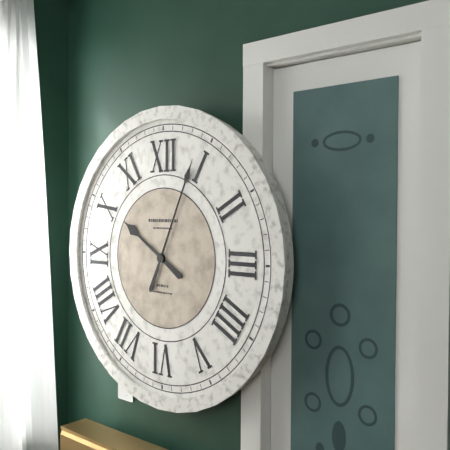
10,04
